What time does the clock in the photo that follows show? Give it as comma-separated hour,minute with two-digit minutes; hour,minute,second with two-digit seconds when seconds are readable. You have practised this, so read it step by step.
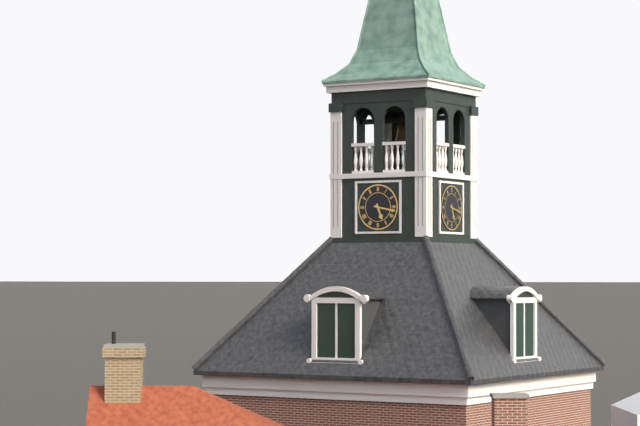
5,17
